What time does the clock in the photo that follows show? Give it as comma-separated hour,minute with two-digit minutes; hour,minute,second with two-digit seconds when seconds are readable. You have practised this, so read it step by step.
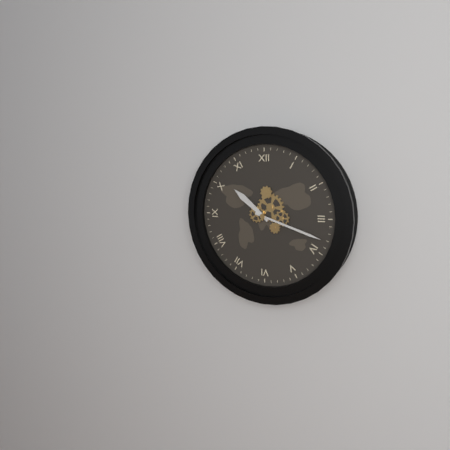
10,18
